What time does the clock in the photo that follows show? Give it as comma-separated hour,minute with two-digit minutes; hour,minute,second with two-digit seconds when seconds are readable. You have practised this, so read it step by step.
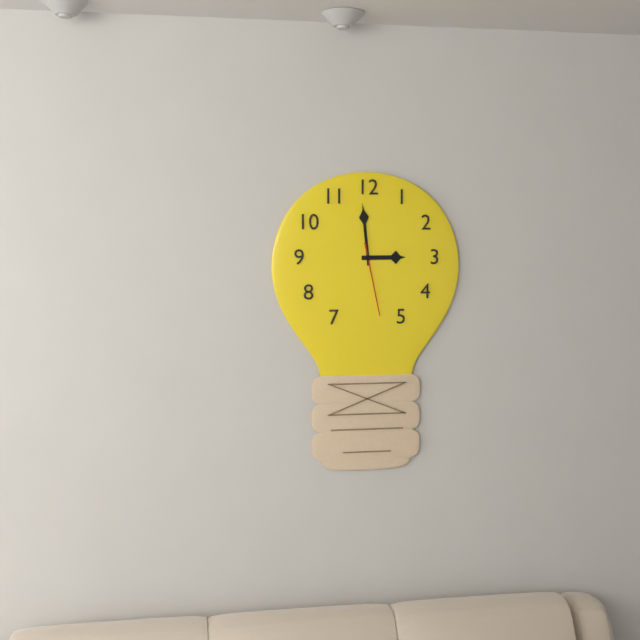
2,59,28
